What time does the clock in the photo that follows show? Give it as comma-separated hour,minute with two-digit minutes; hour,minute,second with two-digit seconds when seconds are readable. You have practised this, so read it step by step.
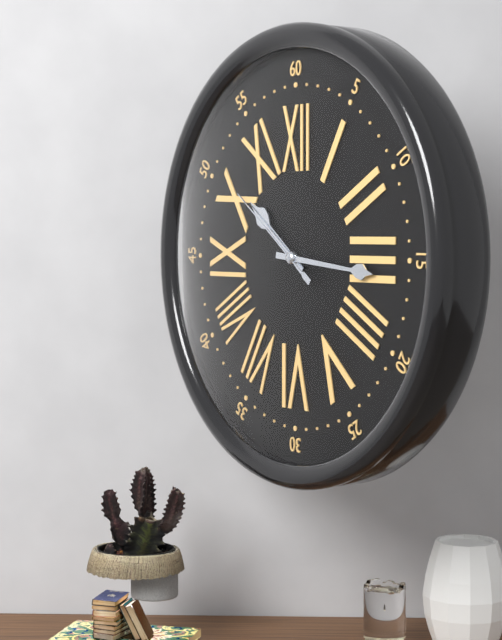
10,16,51
